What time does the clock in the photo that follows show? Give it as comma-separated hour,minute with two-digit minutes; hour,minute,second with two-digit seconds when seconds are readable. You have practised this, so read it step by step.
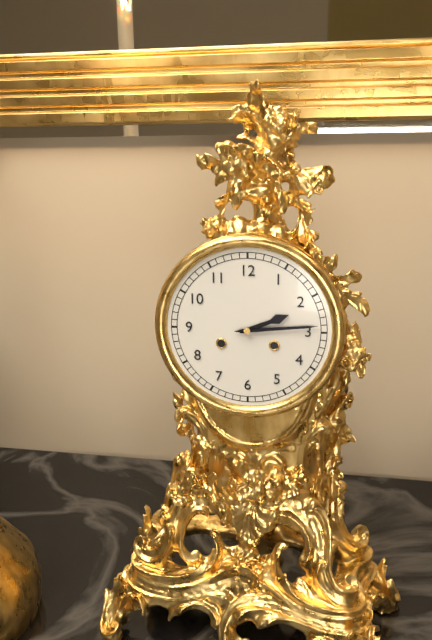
2,14
